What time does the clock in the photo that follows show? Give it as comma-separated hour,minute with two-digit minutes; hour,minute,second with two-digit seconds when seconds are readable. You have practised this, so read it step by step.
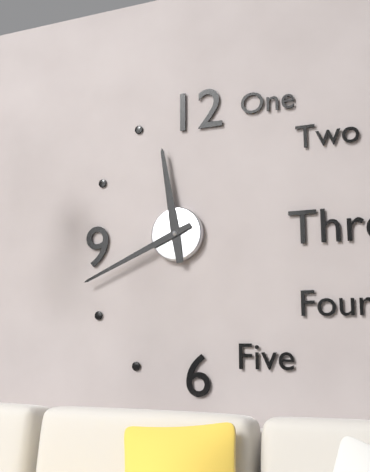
11,41
